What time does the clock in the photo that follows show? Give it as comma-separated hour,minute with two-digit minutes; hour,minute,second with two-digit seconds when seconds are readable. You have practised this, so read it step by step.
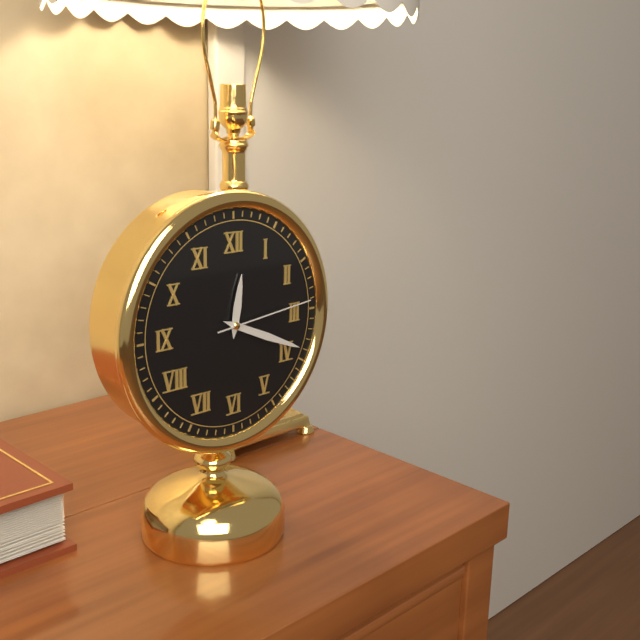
12,19,14
